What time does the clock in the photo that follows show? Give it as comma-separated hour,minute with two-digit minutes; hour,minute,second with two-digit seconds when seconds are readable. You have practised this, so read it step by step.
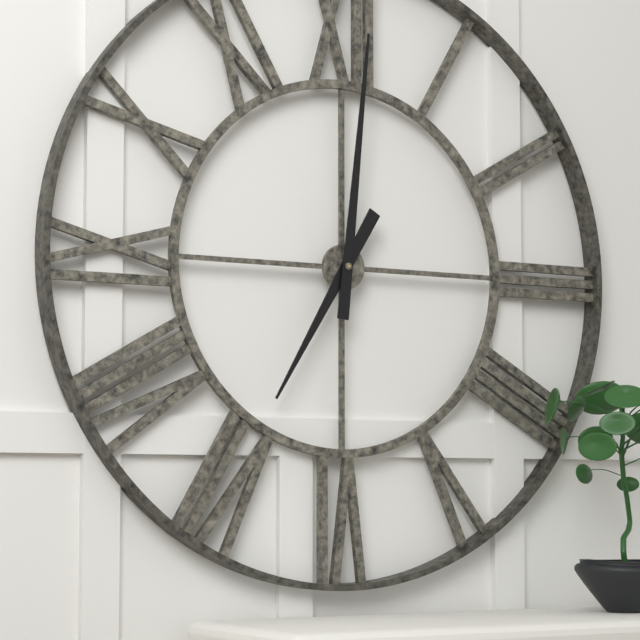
7,01
